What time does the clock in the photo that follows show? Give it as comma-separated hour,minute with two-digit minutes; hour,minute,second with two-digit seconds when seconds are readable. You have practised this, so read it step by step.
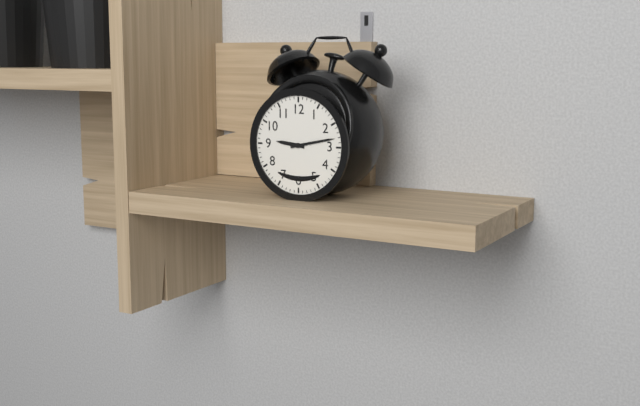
9,13
